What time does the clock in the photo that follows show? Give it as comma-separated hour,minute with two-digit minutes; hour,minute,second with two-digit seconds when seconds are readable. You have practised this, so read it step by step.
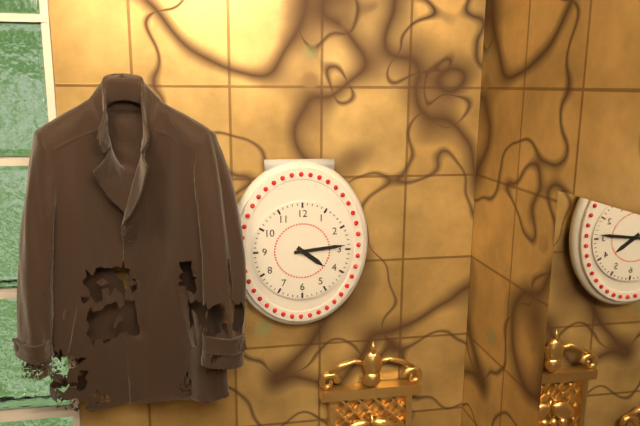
4,14
